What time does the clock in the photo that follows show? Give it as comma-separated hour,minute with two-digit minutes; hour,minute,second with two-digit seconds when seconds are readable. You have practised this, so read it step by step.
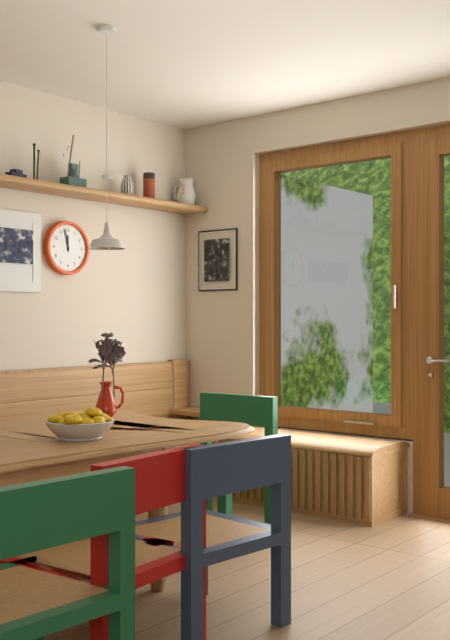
11,58
